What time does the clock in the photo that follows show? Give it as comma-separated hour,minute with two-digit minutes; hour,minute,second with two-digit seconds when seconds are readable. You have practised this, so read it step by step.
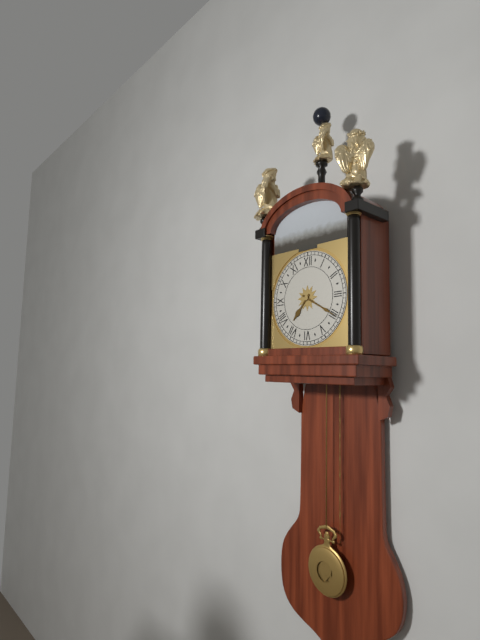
7,20
